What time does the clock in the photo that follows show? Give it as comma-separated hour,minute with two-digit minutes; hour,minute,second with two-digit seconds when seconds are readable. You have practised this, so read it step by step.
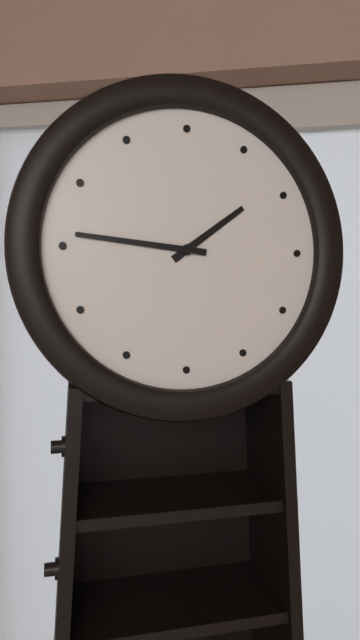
1,46
